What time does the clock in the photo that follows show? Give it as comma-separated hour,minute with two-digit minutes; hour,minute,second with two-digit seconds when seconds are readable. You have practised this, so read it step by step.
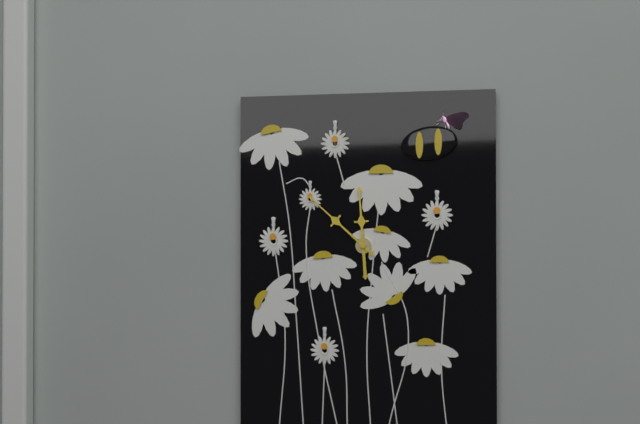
11,52
